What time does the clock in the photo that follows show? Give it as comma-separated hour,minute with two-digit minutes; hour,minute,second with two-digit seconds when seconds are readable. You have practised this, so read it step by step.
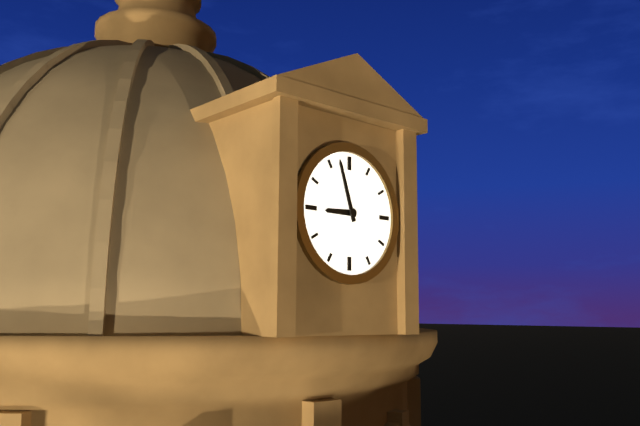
8,57
